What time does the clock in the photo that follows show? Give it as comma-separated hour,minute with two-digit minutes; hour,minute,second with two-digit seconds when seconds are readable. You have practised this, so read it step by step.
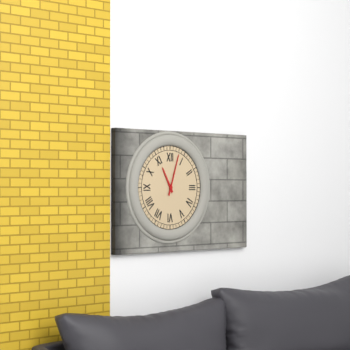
11,03
